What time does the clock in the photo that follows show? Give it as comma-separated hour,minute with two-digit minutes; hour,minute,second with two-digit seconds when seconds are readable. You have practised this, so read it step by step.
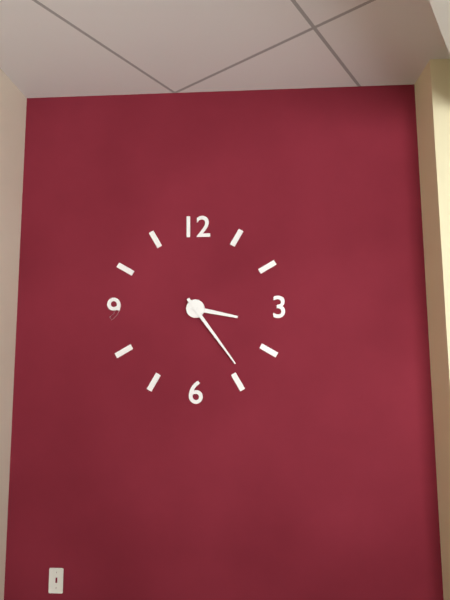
3,24
